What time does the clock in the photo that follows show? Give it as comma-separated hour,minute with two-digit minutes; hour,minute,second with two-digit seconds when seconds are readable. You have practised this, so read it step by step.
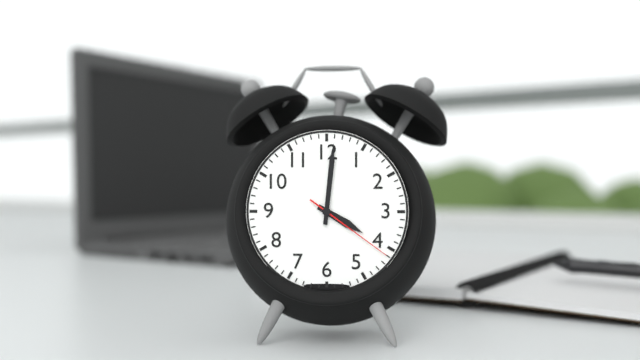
4,01,21
